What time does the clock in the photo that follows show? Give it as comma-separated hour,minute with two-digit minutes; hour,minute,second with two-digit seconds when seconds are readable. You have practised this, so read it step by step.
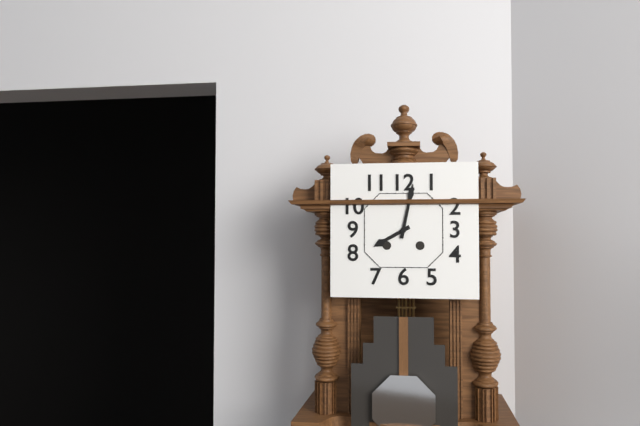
8,02
